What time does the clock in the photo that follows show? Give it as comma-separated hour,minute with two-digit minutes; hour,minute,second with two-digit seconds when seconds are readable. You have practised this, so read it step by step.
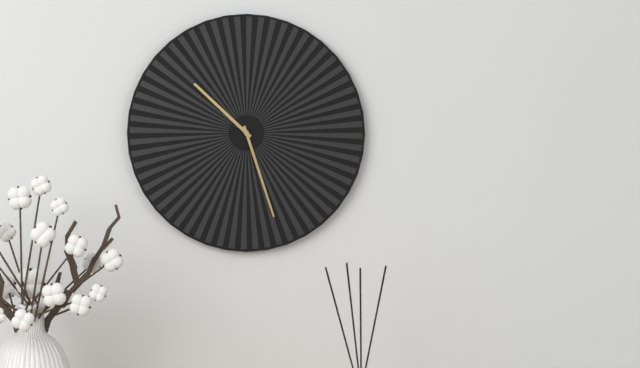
10,27
